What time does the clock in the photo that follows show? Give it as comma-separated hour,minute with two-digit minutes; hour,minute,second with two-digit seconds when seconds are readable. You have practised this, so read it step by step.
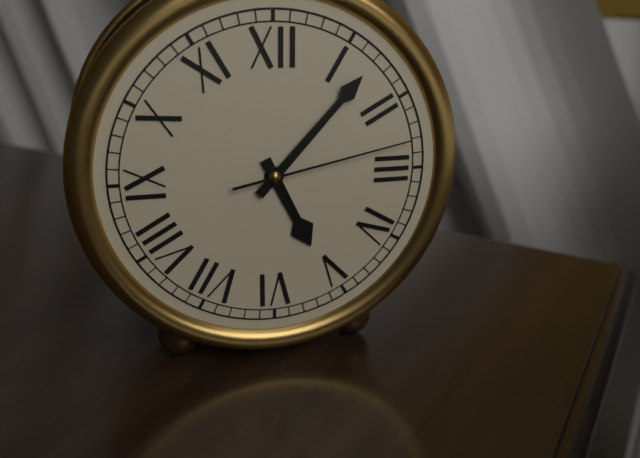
5,07,13
